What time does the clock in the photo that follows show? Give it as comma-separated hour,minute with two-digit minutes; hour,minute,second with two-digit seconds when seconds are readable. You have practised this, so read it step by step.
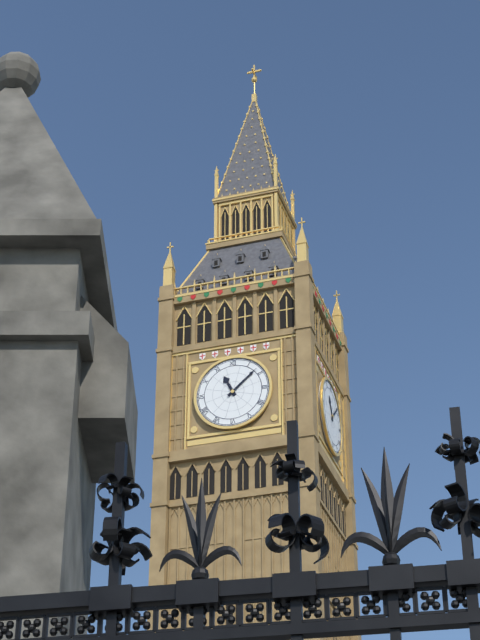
11,08
